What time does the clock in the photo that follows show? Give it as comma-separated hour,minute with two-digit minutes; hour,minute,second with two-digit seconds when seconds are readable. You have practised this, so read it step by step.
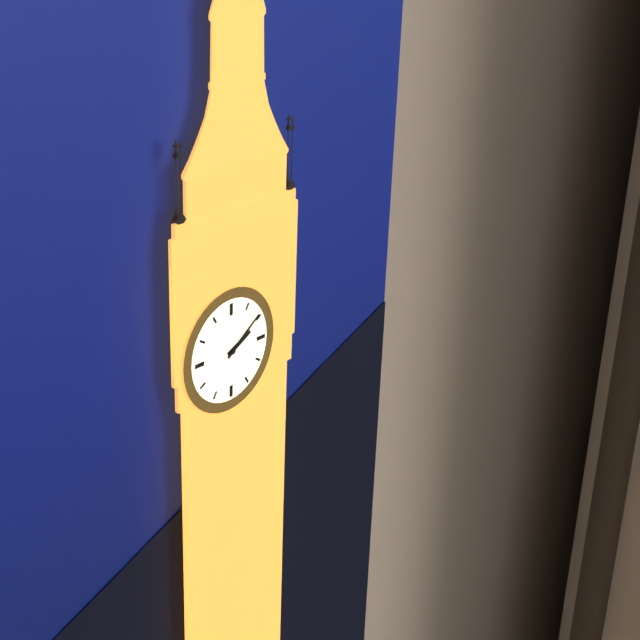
2,09
